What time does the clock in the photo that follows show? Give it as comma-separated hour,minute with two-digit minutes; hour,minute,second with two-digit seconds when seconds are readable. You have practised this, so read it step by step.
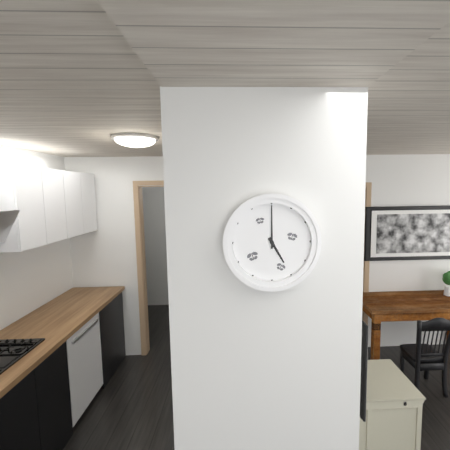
5,00
